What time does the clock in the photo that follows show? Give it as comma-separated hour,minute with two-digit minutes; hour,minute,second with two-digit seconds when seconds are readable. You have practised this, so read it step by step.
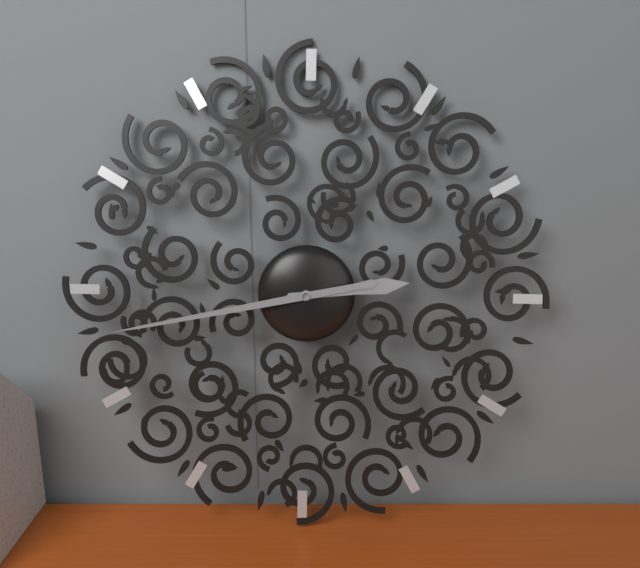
2,43
